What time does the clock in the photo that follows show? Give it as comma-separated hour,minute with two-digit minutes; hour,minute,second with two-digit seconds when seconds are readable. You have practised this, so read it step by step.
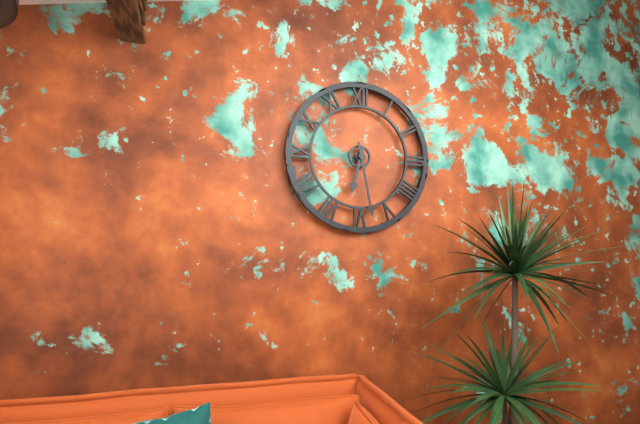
6,28
